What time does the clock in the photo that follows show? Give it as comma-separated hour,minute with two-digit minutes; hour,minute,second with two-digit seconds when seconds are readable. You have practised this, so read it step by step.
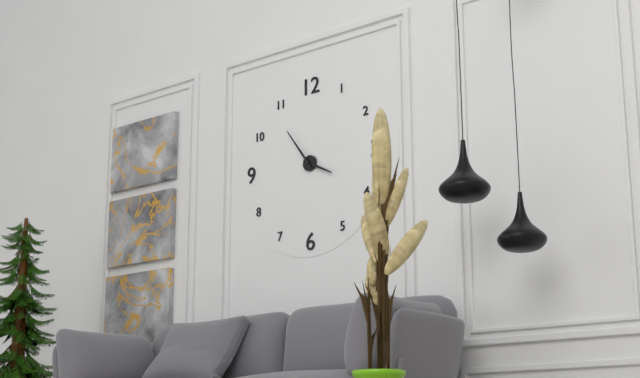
3,54
